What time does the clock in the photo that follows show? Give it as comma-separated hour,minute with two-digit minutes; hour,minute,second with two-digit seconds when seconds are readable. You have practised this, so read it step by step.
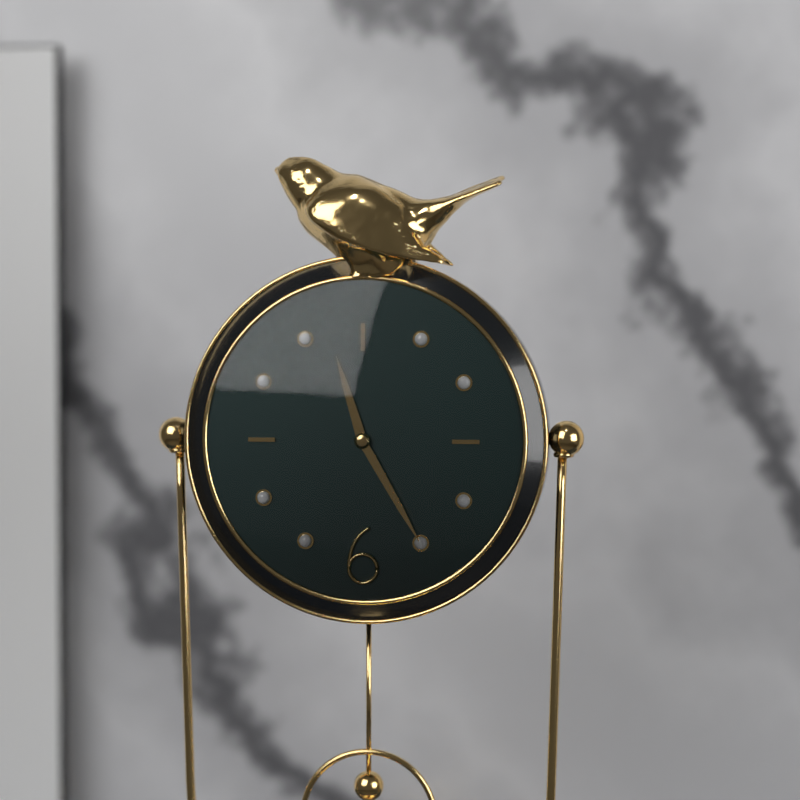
11,25
